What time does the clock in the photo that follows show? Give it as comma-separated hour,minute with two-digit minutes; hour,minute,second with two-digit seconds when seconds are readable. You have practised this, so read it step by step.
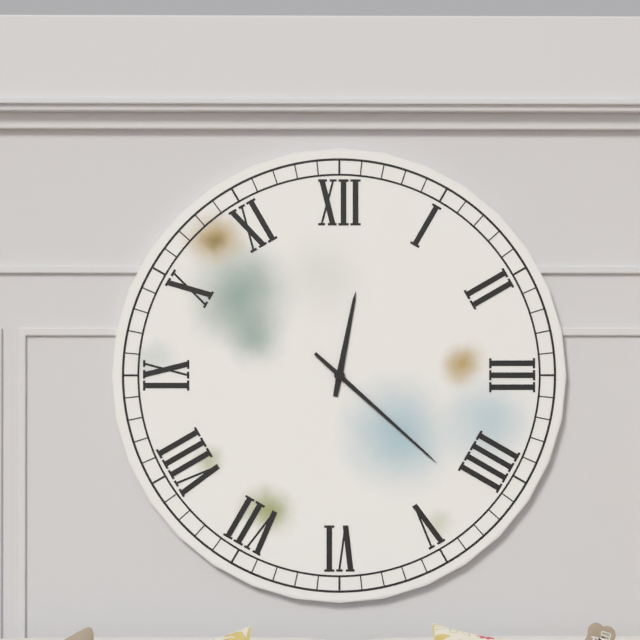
12,22
